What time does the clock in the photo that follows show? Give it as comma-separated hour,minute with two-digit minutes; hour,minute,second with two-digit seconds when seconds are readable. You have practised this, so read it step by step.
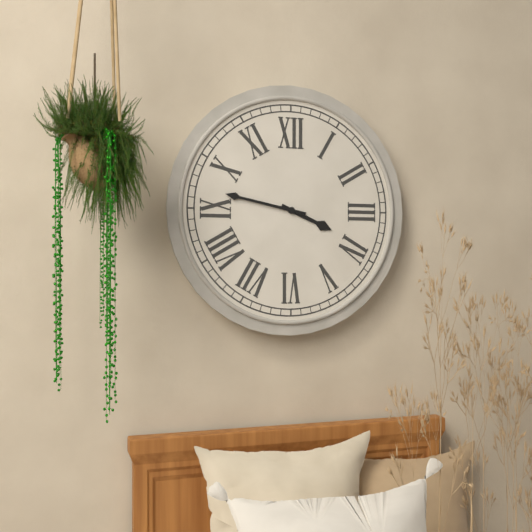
3,47
